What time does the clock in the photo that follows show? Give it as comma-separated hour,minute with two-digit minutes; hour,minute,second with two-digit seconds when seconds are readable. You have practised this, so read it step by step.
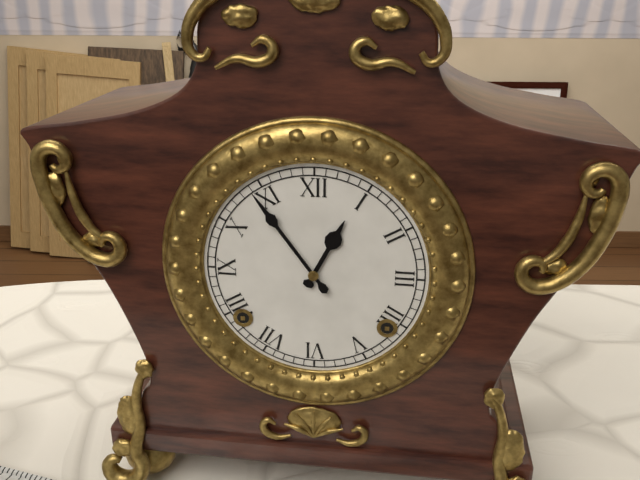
12,54
